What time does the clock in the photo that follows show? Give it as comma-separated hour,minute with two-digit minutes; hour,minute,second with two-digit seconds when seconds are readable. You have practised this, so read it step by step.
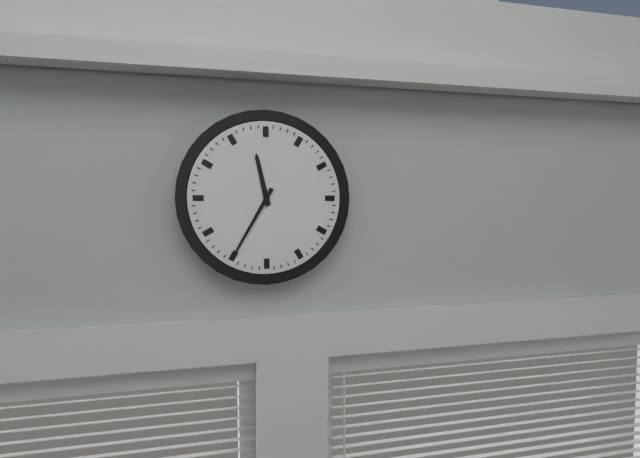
11,35
